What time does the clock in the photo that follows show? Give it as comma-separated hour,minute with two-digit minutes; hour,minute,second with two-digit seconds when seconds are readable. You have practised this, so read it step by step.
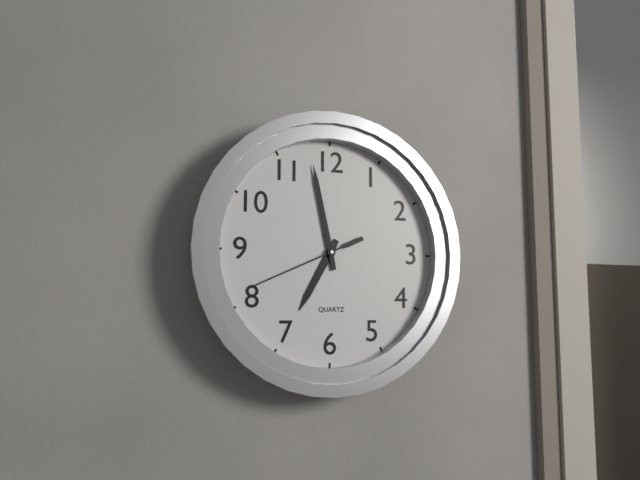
6,58,41
